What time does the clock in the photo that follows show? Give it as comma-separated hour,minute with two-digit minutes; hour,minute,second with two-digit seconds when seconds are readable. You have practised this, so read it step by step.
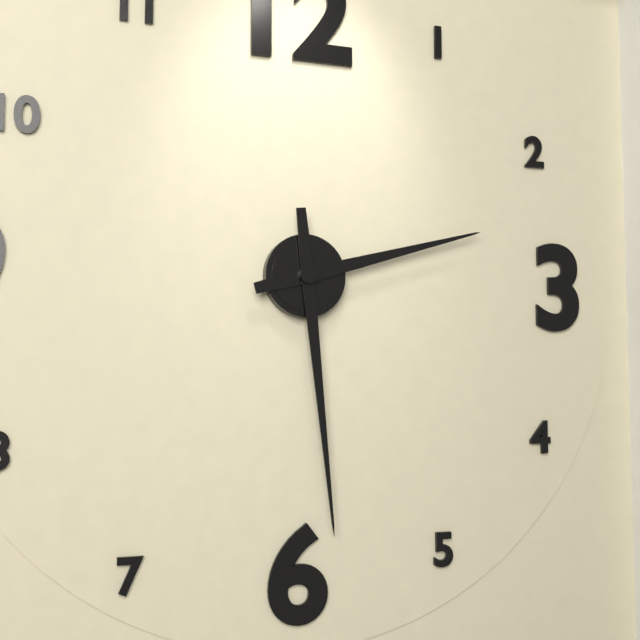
2,29
